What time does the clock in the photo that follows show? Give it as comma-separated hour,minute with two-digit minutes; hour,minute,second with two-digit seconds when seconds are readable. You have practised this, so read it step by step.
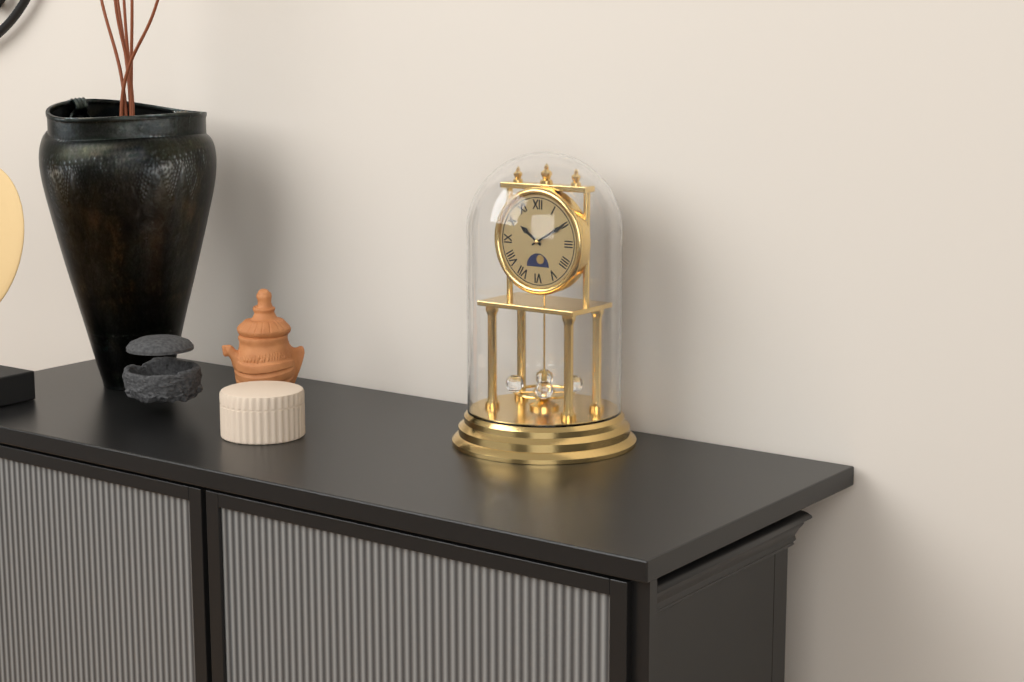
10,10
